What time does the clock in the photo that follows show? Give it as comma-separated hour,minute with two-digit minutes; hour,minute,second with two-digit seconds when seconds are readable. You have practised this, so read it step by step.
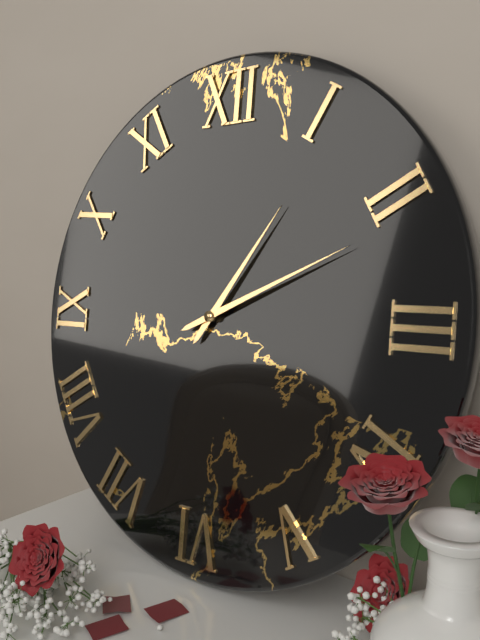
1,11
